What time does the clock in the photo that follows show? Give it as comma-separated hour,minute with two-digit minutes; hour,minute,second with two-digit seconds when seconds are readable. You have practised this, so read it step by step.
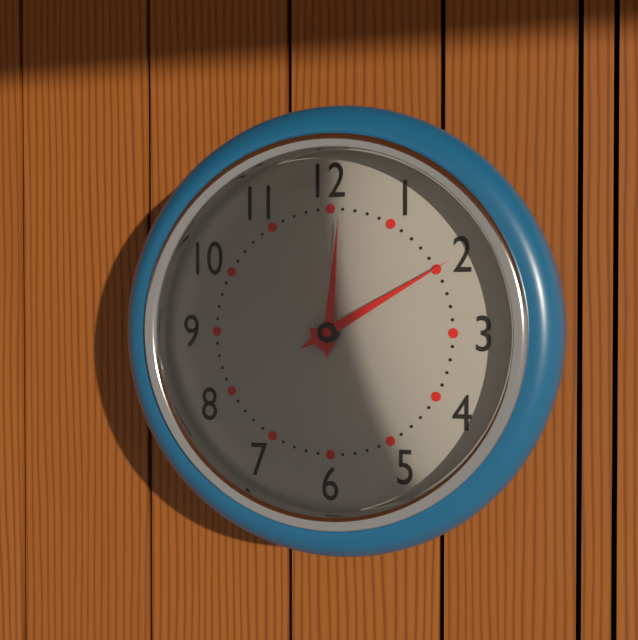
12,10
